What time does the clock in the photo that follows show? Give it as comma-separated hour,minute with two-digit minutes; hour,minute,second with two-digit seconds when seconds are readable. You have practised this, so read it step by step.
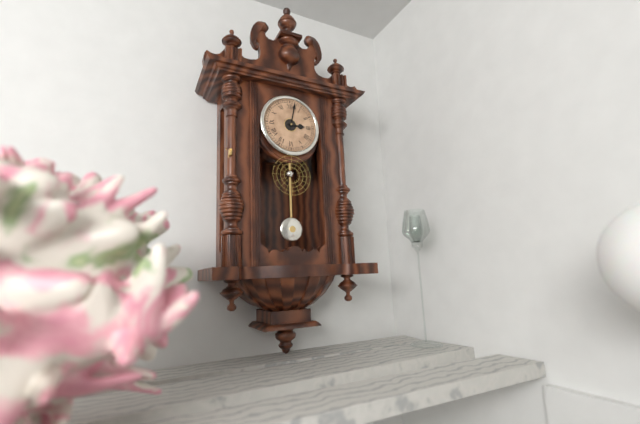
3,02
